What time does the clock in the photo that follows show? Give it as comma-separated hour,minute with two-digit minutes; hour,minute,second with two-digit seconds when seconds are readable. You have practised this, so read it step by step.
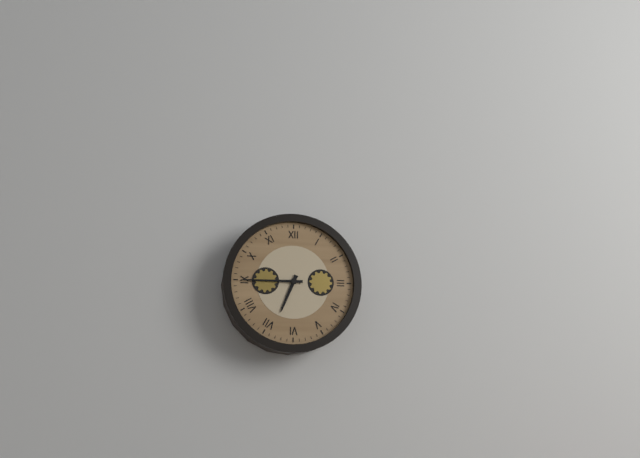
6,45
